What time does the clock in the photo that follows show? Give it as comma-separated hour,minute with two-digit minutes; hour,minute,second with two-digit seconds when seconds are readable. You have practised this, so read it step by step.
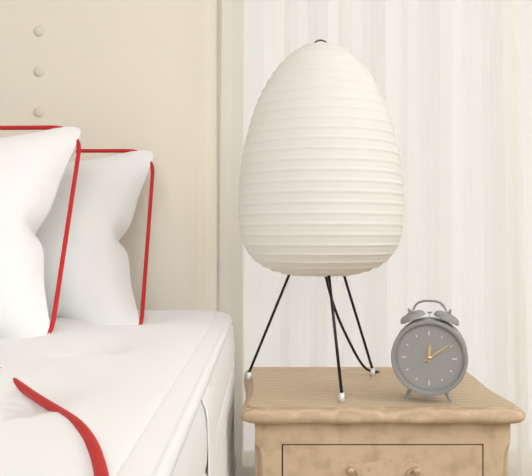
12,09
